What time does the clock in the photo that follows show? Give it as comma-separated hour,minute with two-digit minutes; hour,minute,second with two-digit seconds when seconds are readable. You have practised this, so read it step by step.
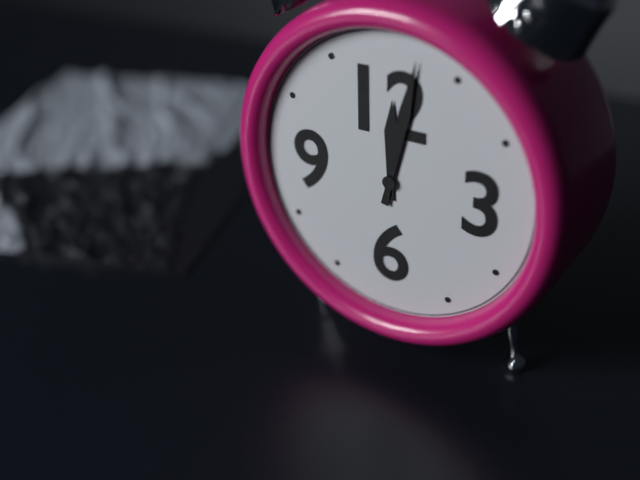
12,02
